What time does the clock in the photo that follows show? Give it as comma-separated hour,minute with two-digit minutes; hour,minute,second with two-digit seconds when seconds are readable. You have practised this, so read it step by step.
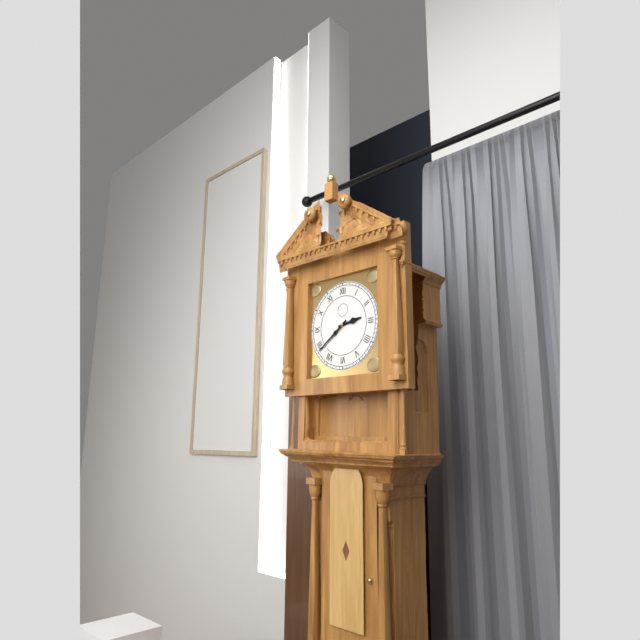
2,39
